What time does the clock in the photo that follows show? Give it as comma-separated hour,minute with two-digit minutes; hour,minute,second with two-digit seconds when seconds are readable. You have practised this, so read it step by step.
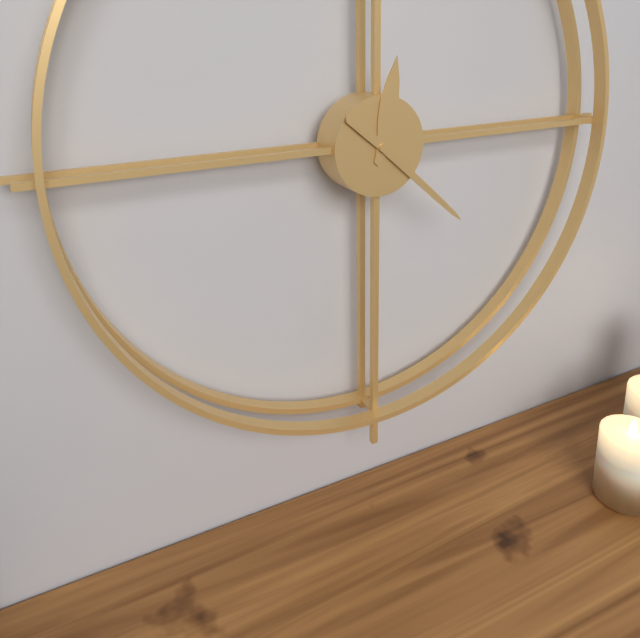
12,22
